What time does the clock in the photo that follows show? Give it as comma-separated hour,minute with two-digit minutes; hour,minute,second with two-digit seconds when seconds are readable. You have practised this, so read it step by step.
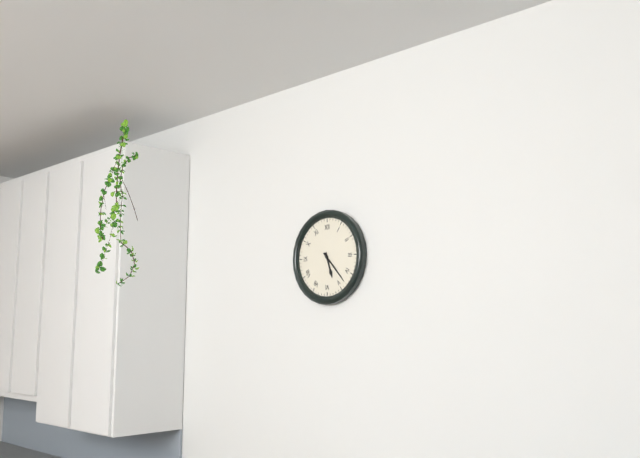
5,23
